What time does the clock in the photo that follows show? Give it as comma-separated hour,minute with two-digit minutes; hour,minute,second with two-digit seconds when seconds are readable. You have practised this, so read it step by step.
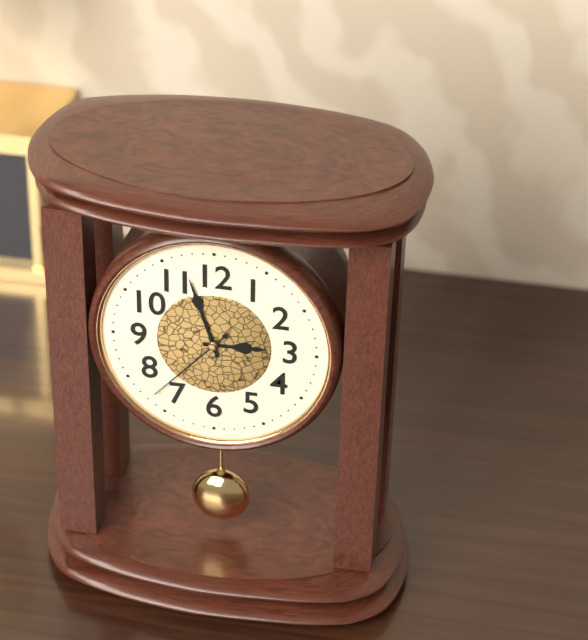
2,57,37
